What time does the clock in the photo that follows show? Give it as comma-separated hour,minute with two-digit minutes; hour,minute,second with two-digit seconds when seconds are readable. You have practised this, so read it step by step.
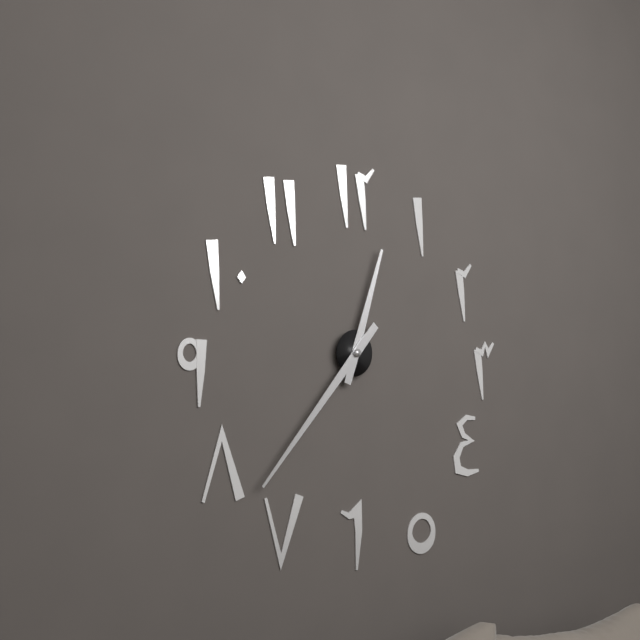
12,37
